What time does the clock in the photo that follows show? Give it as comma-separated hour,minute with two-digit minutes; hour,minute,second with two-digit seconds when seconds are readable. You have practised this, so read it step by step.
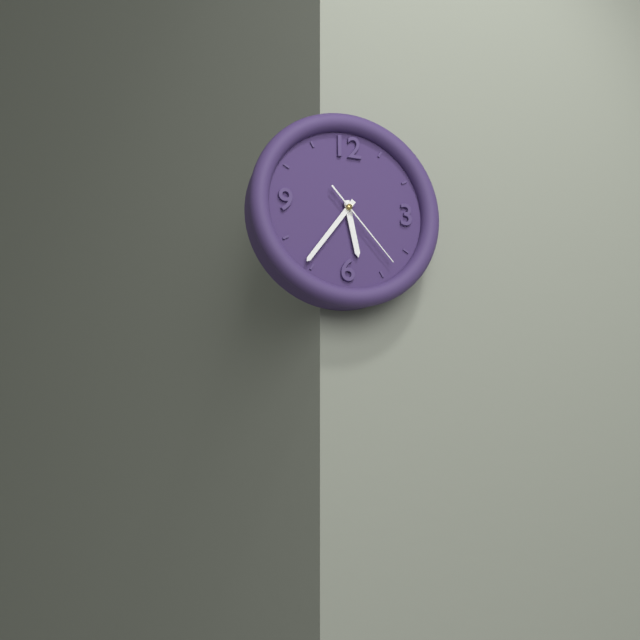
5,36,23
